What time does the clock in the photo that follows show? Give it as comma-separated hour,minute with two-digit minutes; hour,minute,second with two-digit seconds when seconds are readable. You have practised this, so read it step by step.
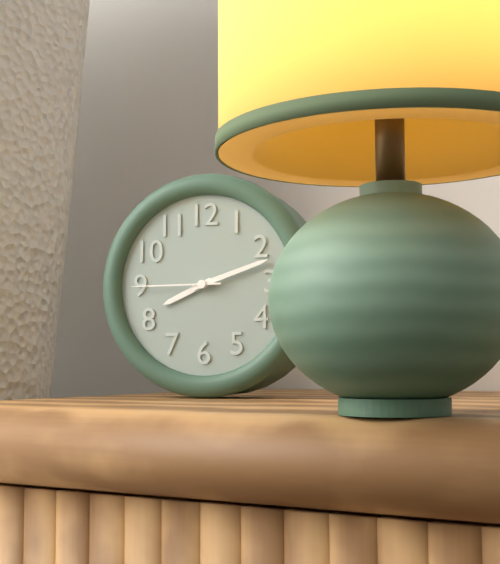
8,12,45
